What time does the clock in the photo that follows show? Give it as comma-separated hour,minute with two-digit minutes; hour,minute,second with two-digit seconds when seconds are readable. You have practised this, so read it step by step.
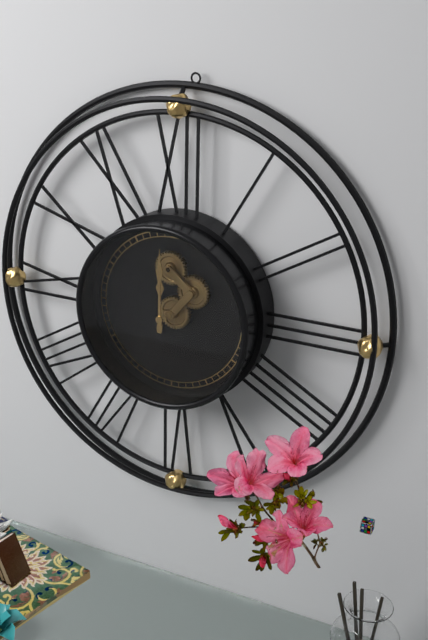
12,00
